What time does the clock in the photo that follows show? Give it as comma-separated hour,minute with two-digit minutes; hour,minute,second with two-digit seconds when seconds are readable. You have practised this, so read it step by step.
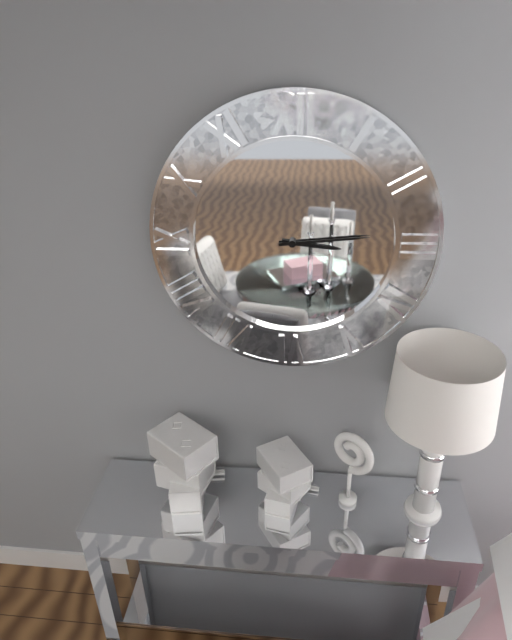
3,14
